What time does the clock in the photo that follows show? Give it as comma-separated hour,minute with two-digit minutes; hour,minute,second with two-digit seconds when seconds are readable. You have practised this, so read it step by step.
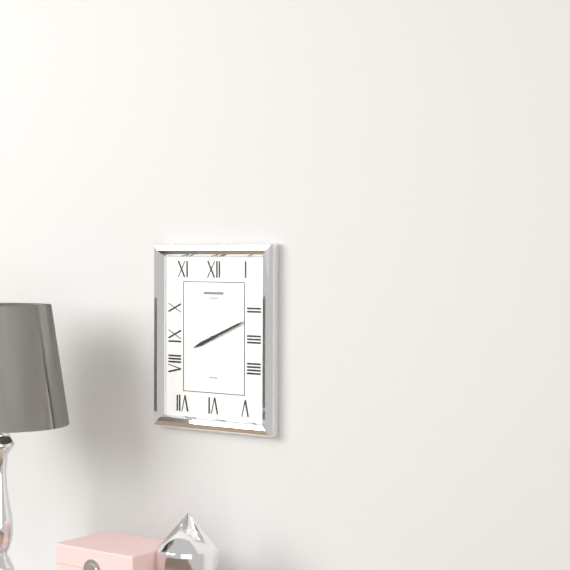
8,11
